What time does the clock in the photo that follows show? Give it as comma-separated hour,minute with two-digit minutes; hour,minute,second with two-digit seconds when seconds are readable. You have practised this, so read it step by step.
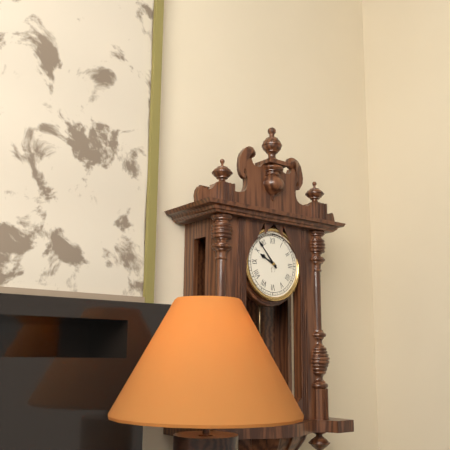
9,53
